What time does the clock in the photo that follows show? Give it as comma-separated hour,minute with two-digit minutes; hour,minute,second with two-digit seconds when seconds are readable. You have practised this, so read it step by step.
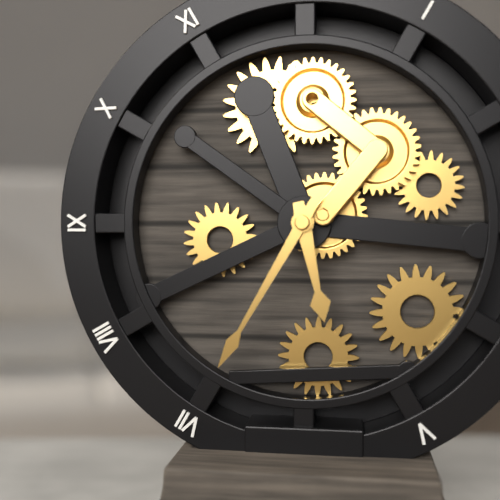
5,35
